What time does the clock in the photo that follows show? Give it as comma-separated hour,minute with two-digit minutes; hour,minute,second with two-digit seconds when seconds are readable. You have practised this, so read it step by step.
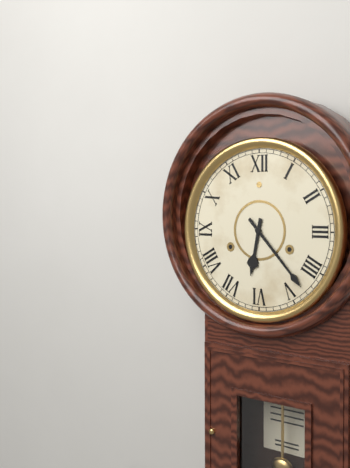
6,23
